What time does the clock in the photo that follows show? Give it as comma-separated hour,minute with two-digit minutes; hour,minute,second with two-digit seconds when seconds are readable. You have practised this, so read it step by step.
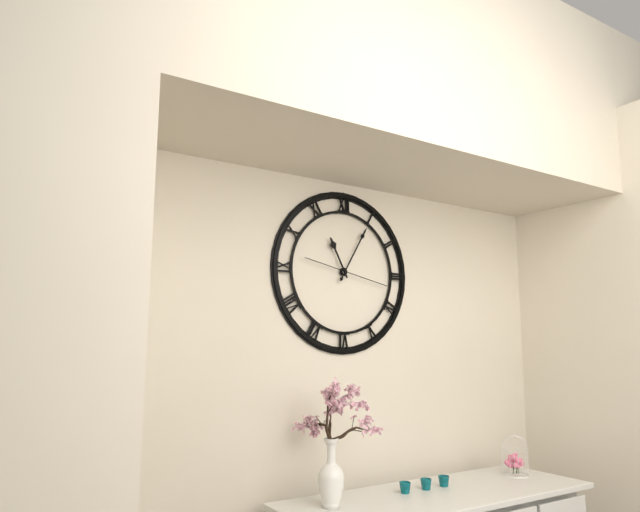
11,05,17
